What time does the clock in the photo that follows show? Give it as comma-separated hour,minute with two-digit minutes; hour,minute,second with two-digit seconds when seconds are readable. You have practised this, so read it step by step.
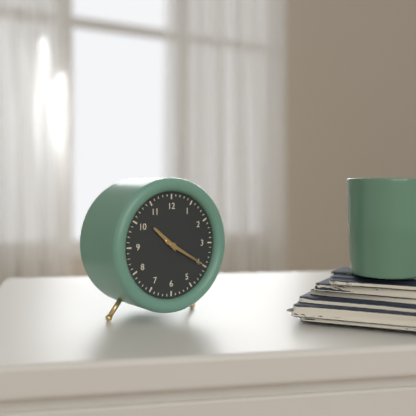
10,20
